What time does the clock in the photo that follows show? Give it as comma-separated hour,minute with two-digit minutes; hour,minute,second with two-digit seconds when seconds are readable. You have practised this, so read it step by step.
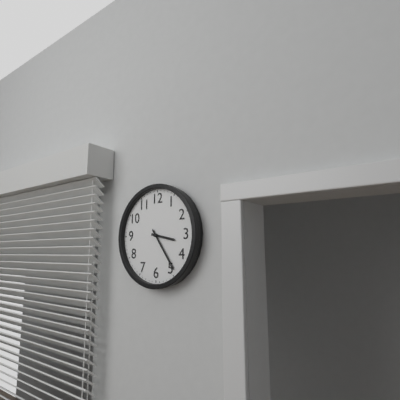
3,24
